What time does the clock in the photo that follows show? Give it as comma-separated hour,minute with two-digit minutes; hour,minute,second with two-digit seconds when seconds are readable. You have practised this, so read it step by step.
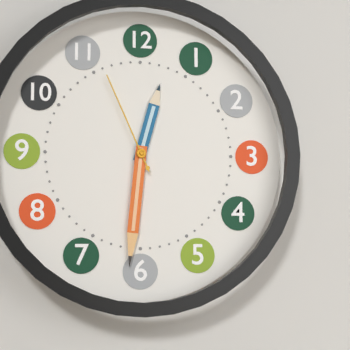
12,31,56
